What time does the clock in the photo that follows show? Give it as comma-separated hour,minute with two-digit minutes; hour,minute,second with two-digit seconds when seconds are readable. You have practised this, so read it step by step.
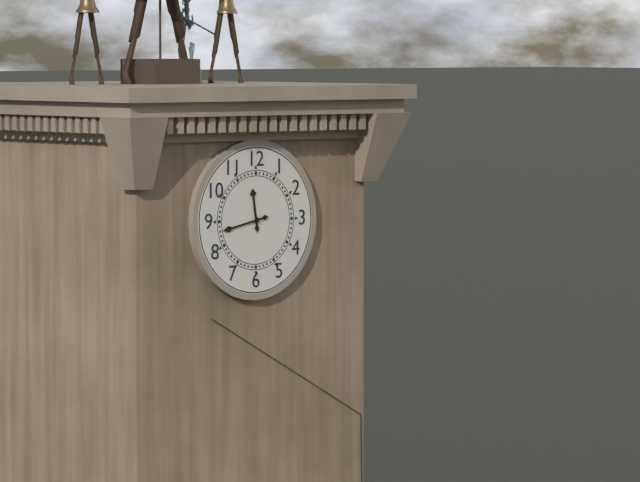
11,43
